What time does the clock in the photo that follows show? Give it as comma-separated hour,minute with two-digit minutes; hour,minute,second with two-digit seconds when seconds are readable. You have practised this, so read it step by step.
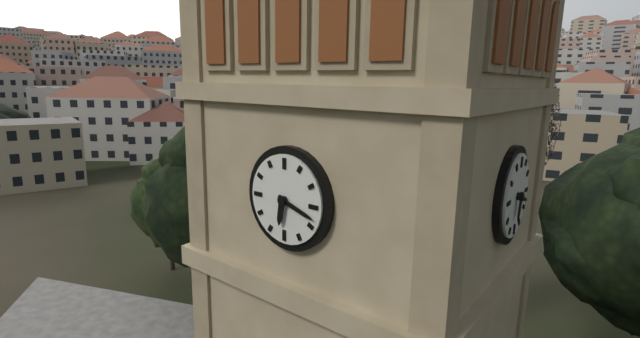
6,18
